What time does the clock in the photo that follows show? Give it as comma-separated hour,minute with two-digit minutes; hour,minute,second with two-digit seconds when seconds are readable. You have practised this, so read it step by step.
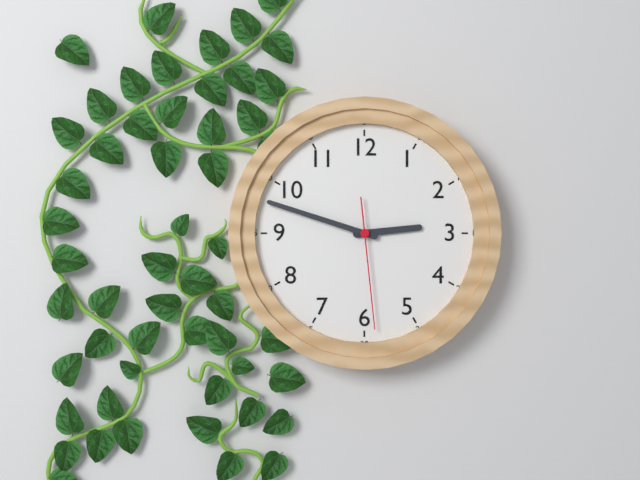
2,48,29
